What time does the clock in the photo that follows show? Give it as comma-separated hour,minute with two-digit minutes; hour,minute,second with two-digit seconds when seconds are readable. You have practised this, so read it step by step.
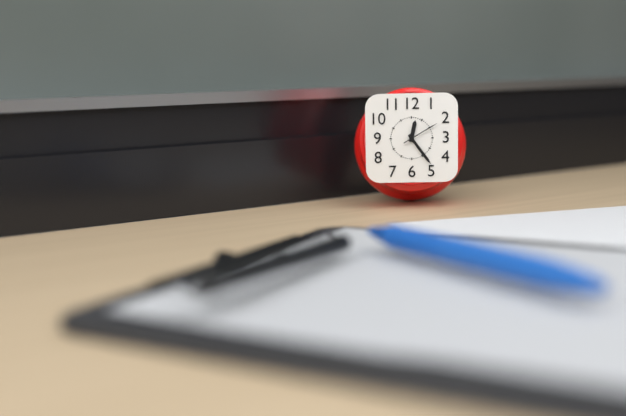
12,24
